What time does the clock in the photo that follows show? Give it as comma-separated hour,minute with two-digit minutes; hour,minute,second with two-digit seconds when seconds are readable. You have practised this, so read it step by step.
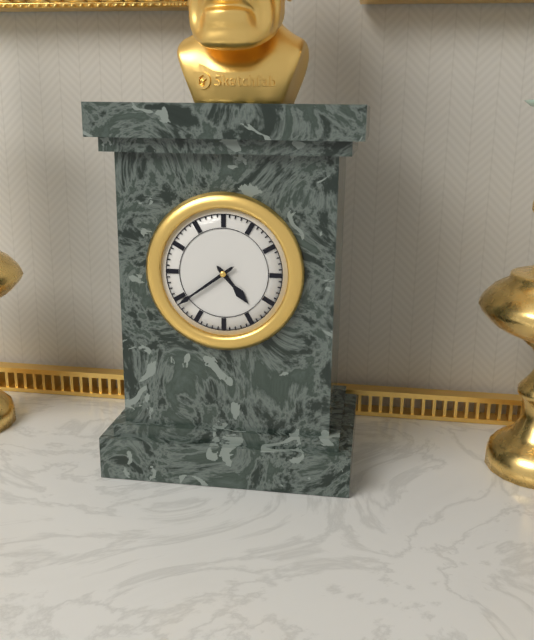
4,39
